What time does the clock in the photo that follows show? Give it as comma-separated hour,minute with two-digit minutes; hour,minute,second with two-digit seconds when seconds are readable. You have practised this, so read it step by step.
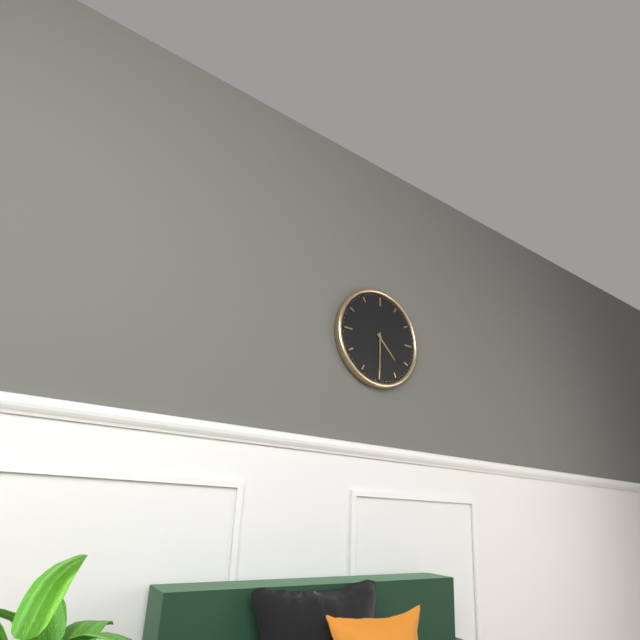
4,30
